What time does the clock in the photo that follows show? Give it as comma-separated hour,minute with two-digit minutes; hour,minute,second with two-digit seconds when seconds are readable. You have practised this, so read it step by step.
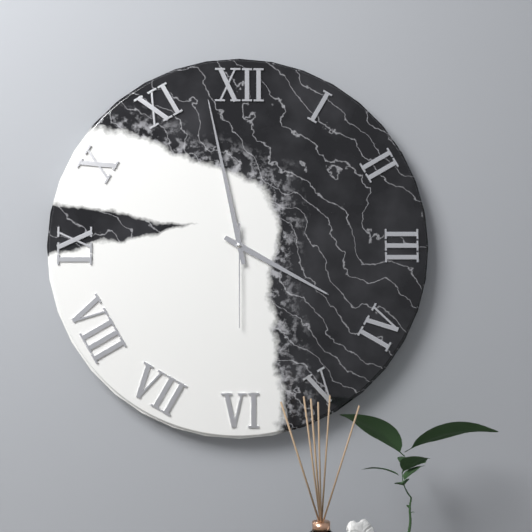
3,58,30
